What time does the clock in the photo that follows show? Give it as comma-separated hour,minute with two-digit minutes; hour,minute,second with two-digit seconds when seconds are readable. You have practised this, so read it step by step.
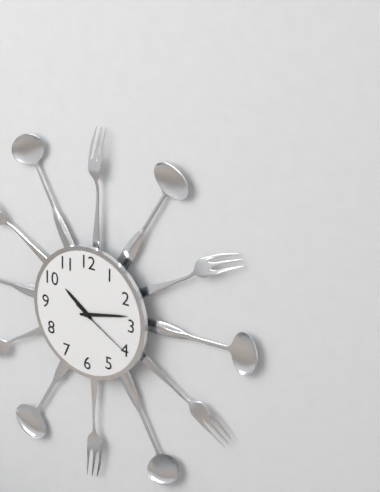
10,13,20
